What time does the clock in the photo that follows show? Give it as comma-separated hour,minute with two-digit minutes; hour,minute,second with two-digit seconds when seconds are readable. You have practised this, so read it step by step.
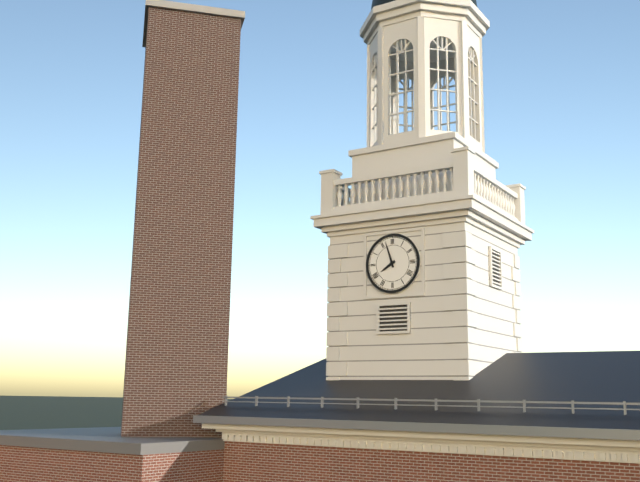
7,57
